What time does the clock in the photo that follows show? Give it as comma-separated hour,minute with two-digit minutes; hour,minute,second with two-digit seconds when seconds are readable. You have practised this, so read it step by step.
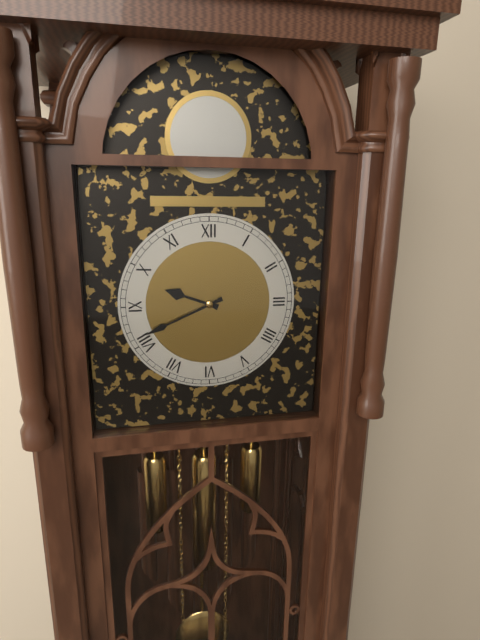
9,41
